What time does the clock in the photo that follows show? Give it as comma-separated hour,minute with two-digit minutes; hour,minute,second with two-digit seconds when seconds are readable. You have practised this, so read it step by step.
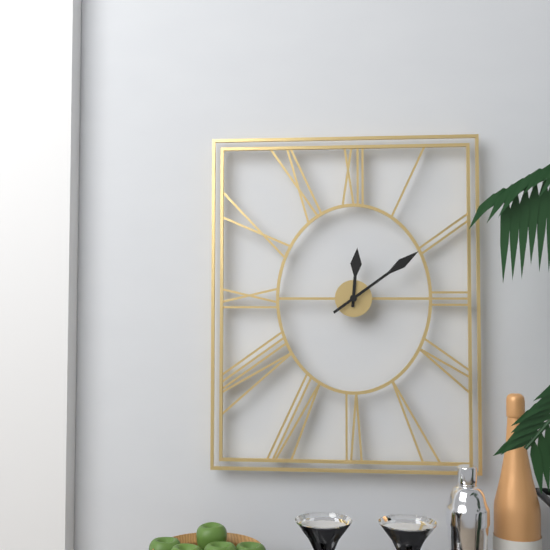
12,09
